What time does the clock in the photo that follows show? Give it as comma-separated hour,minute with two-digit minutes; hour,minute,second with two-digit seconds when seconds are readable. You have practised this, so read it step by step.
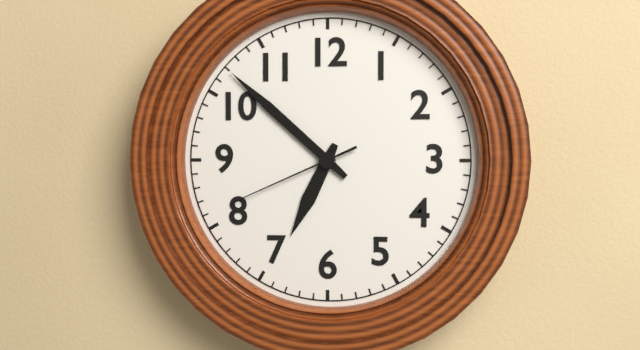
6,52,41
